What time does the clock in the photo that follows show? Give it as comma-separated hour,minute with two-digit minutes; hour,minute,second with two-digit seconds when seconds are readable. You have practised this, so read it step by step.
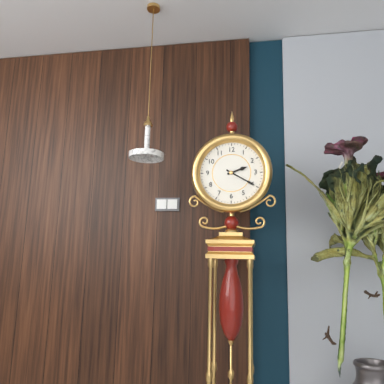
2,20
